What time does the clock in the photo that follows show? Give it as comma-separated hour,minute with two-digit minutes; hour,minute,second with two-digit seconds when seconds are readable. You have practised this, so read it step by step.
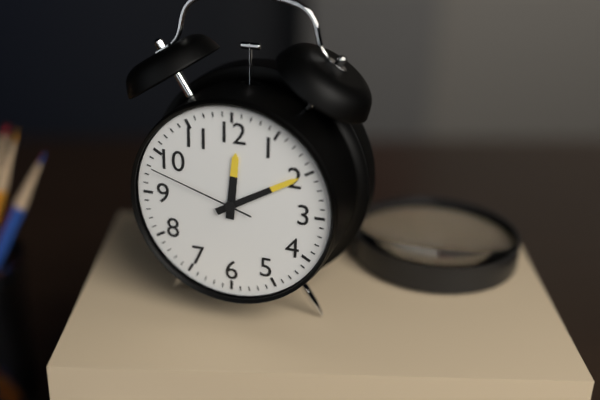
12,10,48
